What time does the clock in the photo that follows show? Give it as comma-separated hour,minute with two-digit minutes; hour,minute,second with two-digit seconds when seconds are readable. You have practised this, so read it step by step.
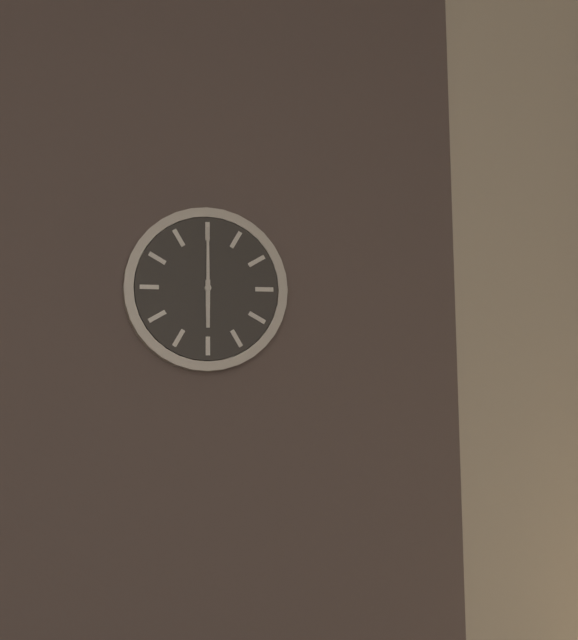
6,00
